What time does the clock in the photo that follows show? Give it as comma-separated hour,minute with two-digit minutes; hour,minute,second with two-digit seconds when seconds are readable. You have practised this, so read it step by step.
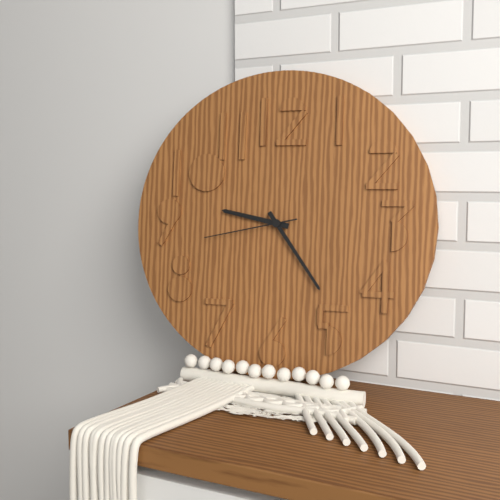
9,24,43
